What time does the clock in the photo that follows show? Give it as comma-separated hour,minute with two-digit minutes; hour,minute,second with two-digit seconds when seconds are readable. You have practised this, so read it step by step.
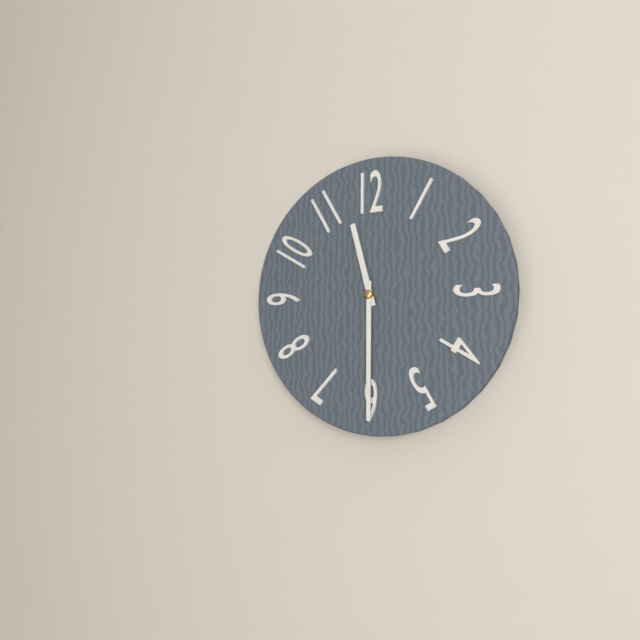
11,30
